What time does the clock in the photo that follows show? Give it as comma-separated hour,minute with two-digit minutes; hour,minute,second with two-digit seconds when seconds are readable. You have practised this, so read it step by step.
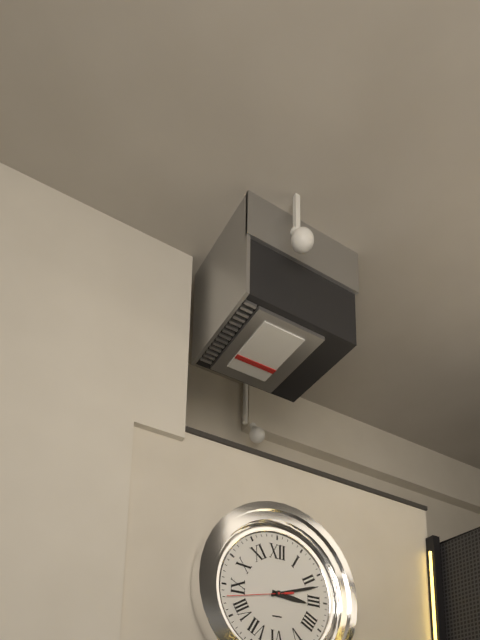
3,12,43
